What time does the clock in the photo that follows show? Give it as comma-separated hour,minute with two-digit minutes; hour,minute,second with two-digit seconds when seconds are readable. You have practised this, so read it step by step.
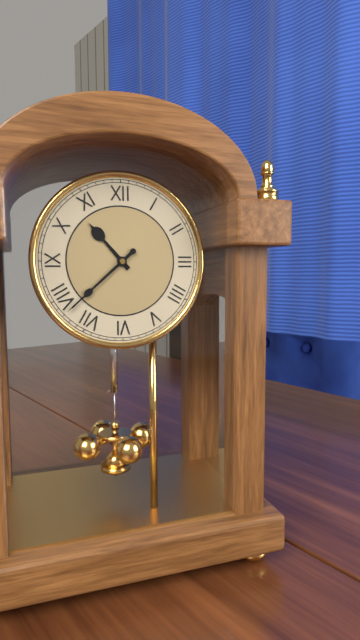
10,38
